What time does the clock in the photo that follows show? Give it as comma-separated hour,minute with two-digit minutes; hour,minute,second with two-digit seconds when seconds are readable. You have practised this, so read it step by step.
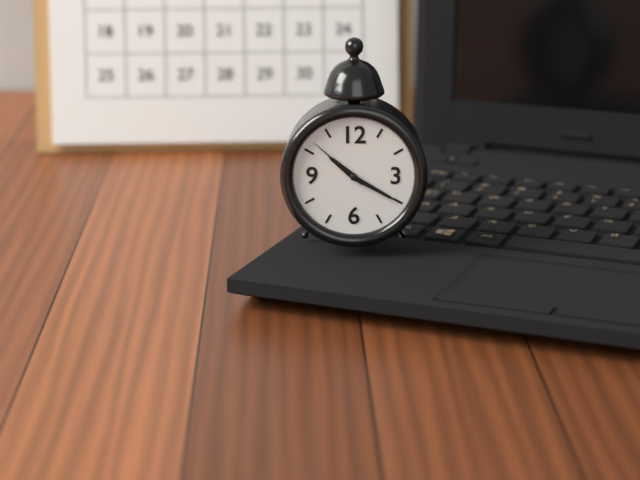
10,20,52
